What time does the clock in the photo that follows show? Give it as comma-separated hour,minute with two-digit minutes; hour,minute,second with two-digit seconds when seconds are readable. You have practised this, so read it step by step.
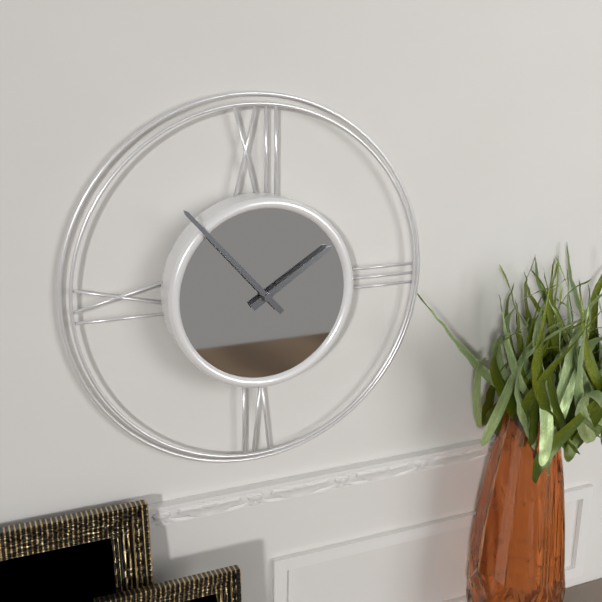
1,53
